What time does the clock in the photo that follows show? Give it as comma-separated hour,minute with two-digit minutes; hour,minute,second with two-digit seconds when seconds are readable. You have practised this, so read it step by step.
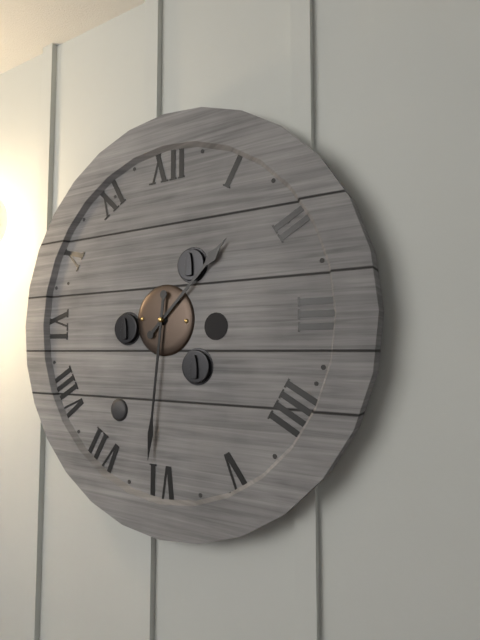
1,31
